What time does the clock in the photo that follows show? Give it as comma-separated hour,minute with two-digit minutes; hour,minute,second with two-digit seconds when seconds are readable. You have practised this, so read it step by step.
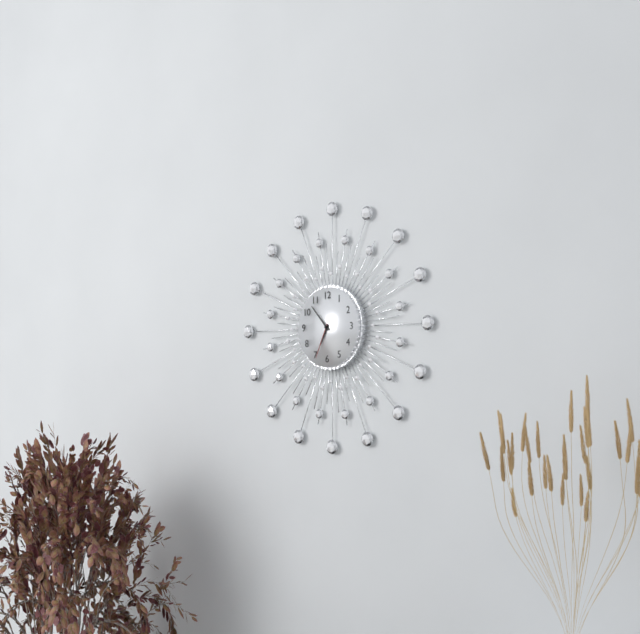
6,53
